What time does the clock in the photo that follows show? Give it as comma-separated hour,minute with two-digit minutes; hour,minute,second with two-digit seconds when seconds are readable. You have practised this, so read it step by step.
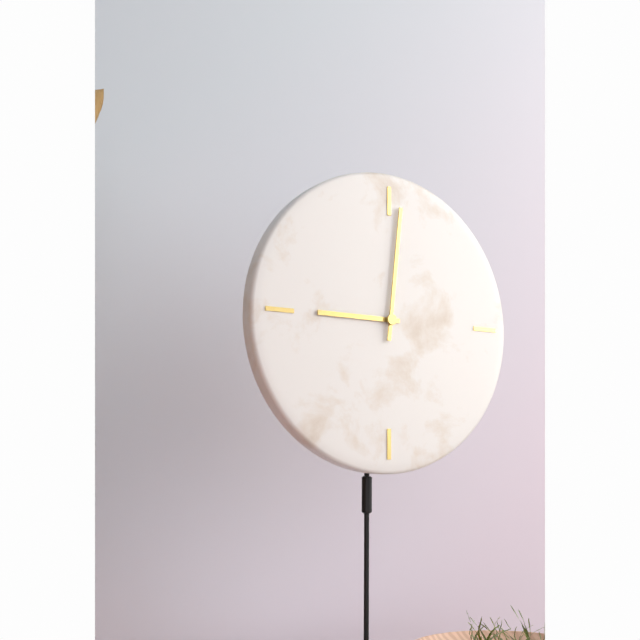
9,01
